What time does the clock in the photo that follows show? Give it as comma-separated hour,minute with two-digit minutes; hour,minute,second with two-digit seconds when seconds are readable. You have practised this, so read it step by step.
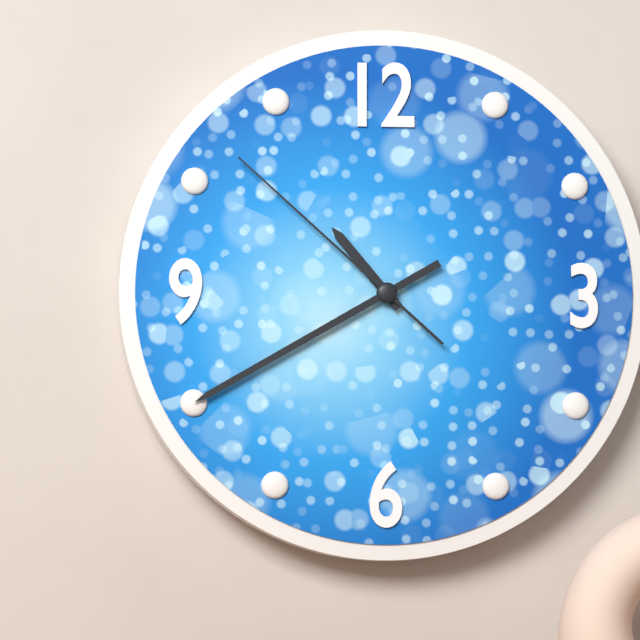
10,40,52
